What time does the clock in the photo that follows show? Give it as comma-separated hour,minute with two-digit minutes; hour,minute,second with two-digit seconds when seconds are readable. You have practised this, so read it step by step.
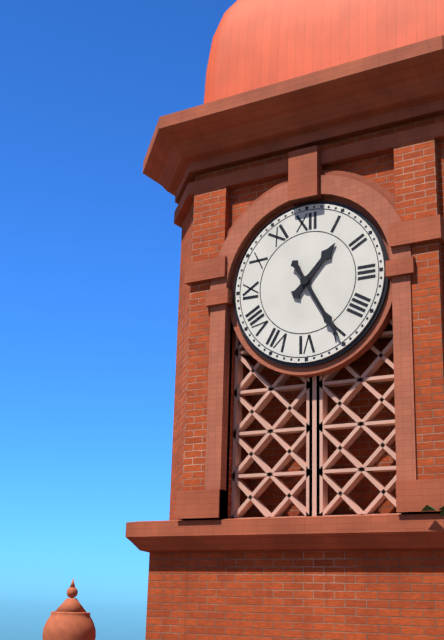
1,25
